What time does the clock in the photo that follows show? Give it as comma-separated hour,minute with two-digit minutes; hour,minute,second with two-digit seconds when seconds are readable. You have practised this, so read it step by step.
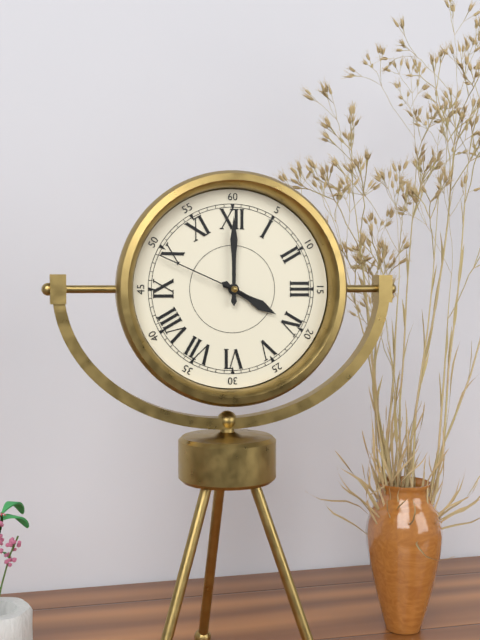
4,00,49
